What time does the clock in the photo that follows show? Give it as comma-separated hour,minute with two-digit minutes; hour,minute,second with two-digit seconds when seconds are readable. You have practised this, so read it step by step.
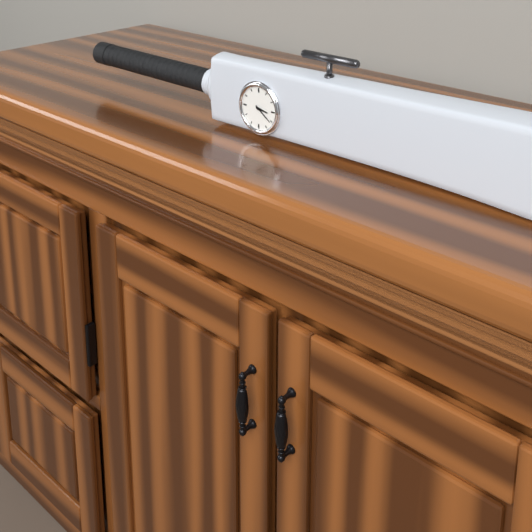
3,21
